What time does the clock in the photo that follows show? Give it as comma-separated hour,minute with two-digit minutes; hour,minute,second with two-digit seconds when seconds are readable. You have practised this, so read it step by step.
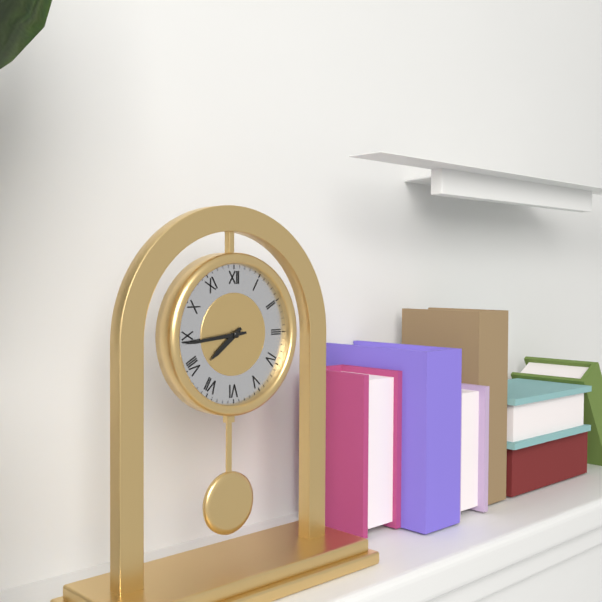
7,44
